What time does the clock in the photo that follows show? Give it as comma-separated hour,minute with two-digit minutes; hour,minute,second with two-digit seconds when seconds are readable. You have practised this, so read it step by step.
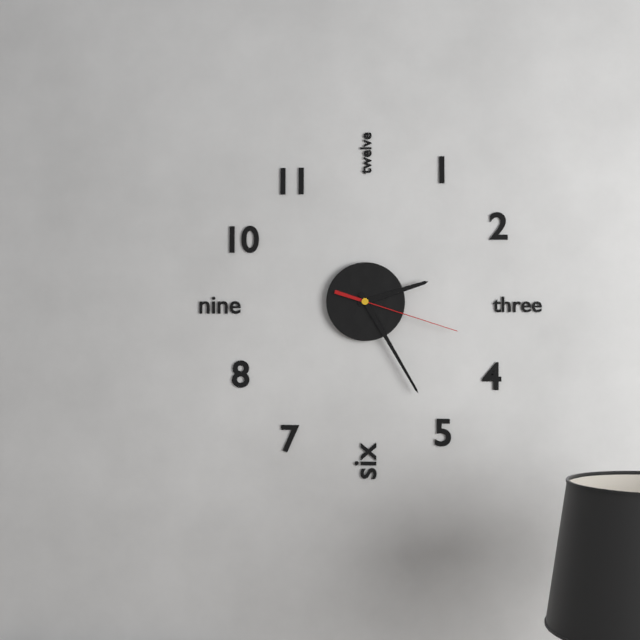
2,25,18
